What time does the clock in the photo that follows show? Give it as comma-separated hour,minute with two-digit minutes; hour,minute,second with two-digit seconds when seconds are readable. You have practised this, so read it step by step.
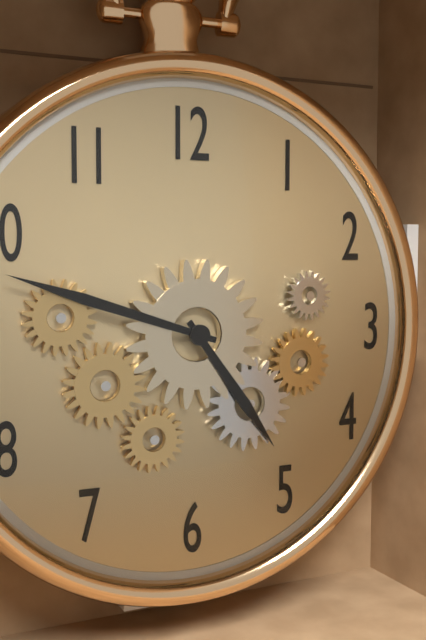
4,48
